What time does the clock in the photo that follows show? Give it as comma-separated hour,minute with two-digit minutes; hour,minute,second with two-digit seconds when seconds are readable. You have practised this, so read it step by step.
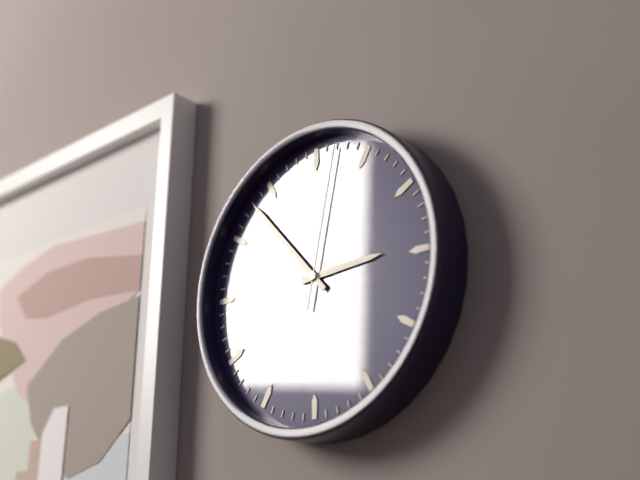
2,53,02
